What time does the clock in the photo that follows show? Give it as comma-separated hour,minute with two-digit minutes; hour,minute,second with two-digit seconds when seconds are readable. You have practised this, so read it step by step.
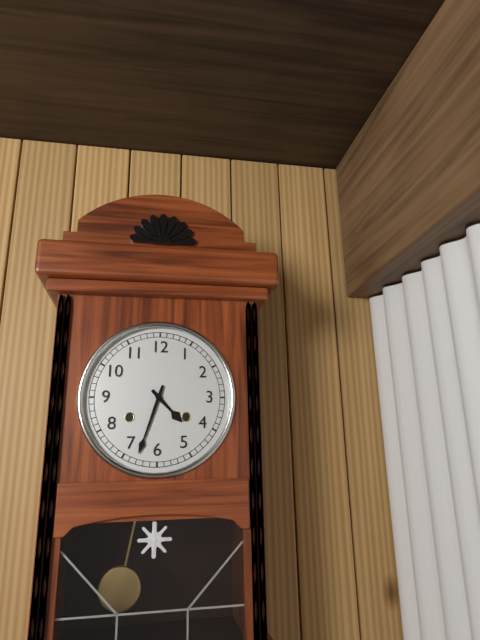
4,33
